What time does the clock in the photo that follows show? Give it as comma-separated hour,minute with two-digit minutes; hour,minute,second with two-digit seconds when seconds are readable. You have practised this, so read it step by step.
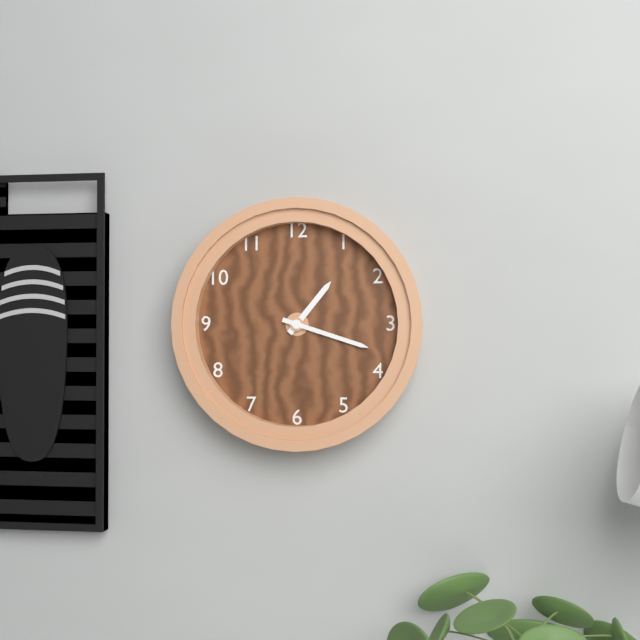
1,18
